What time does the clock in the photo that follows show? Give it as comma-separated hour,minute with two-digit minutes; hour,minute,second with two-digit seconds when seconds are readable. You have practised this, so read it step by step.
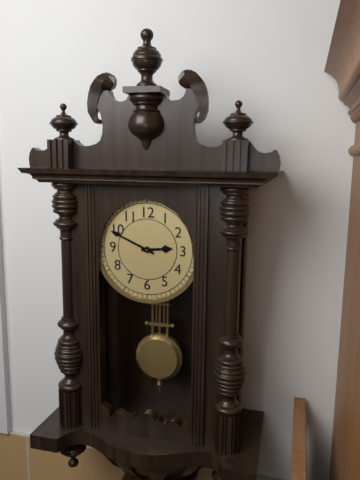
2,49
